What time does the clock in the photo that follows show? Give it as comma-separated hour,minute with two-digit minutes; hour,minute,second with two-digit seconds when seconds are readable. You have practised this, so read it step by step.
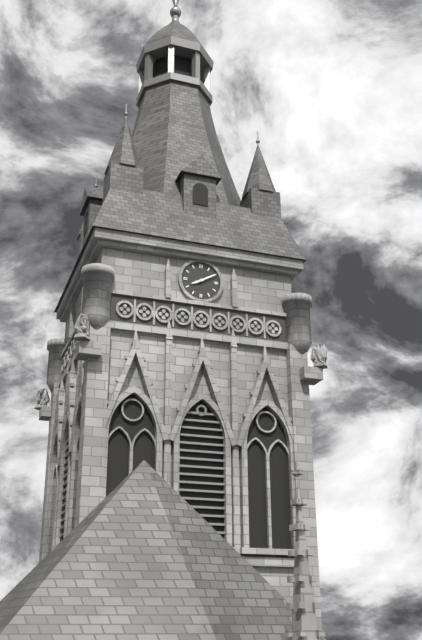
8,10
